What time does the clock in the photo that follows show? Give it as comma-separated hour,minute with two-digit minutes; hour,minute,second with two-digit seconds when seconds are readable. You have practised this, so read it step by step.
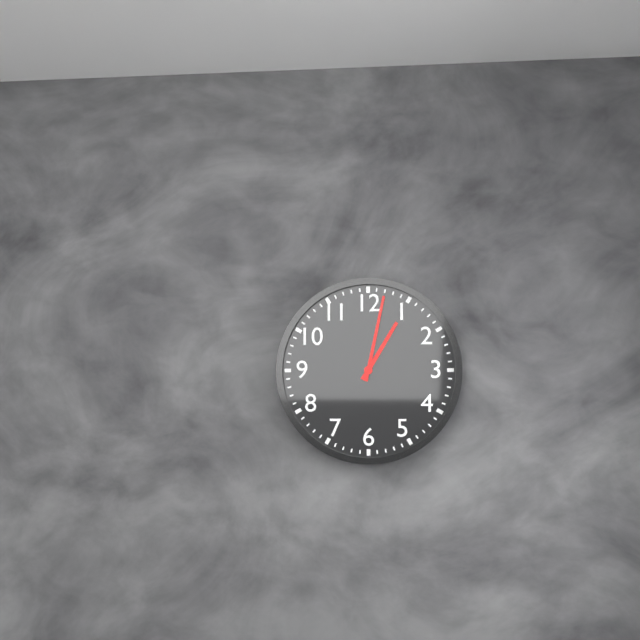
1,02
